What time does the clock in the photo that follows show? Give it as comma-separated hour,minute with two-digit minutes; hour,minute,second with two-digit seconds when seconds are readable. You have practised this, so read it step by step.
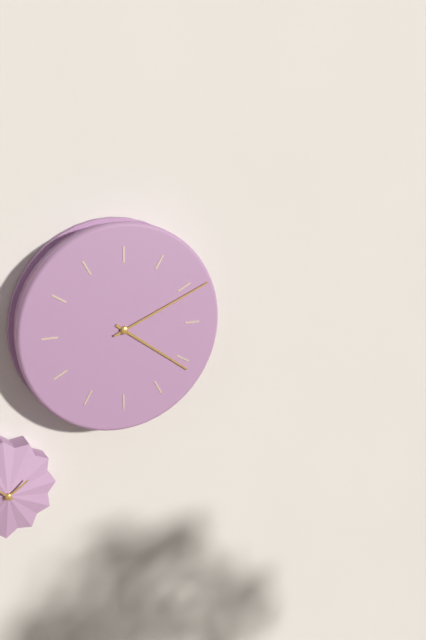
4,11
